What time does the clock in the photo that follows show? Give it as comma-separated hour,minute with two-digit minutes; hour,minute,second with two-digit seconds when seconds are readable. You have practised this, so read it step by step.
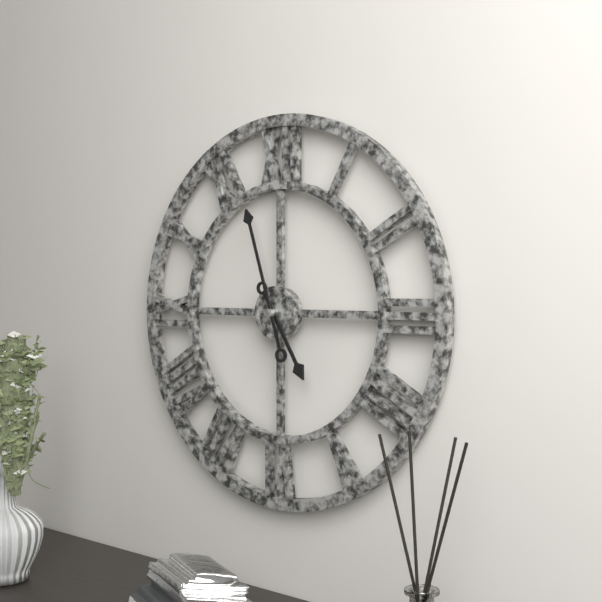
4,57
